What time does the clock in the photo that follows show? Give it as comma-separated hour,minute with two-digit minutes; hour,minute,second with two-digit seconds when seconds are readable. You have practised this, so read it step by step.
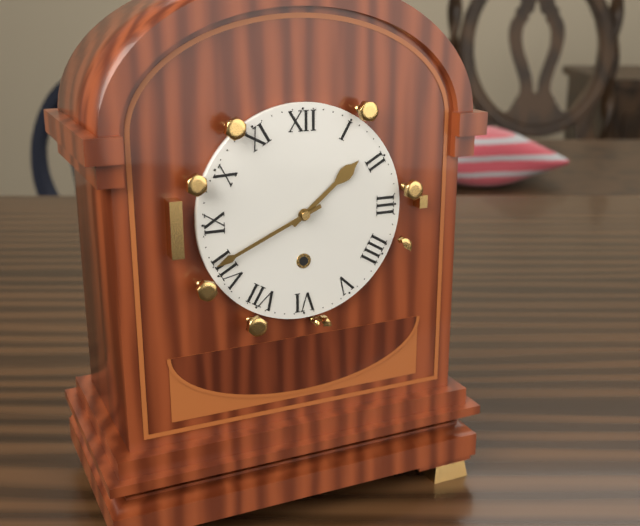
1,41
